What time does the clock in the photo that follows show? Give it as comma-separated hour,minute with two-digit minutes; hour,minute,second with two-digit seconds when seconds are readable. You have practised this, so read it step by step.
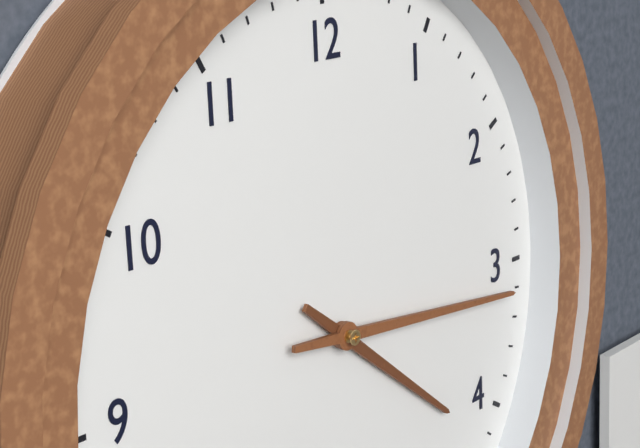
4,16
